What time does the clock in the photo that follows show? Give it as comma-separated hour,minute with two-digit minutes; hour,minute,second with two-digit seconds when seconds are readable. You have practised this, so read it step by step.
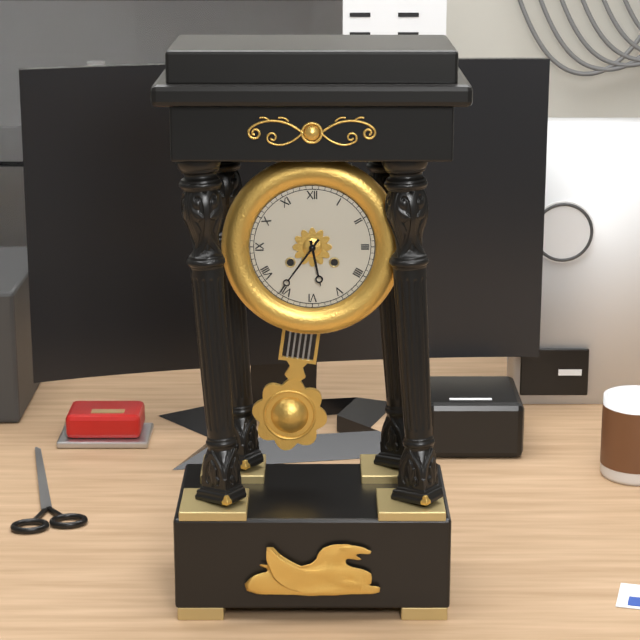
5,36
